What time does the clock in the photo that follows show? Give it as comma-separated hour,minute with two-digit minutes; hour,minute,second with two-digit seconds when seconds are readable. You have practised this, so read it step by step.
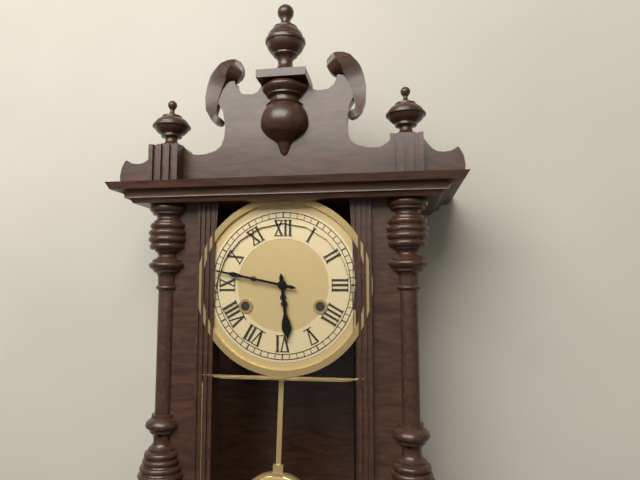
5,47
